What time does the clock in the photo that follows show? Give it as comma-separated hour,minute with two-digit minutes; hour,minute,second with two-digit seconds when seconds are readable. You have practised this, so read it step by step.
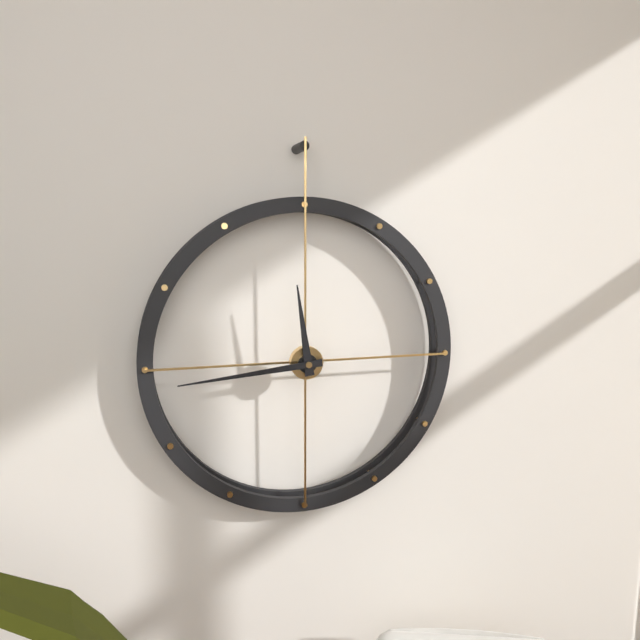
11,44
